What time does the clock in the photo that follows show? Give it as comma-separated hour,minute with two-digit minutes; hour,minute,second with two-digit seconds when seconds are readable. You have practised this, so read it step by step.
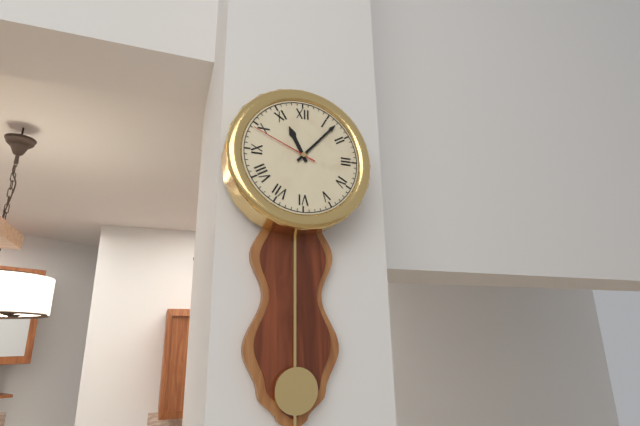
11,07,49
